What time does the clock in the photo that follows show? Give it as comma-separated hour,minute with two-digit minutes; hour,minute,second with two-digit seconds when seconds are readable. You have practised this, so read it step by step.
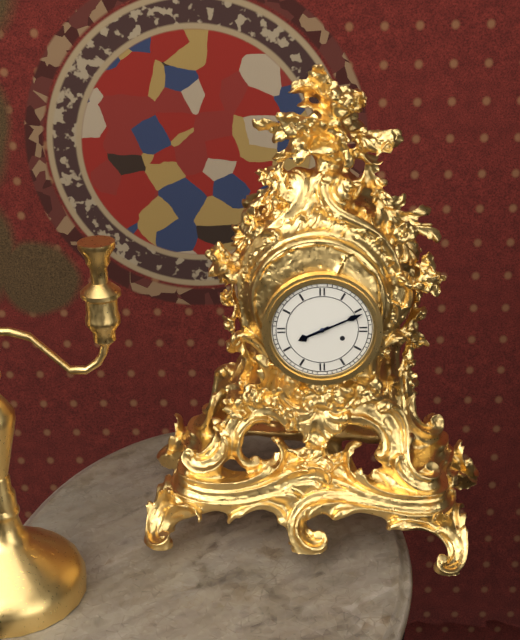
8,11
